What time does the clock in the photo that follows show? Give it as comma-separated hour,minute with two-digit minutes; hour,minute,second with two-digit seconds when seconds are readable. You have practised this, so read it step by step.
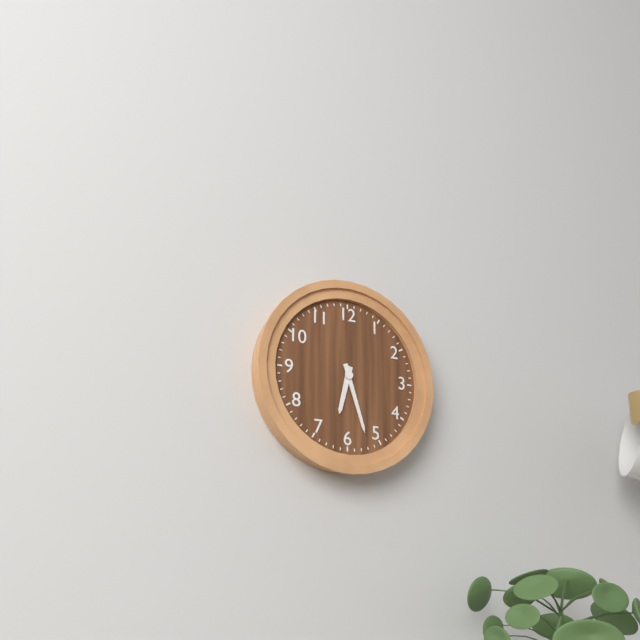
6,27
